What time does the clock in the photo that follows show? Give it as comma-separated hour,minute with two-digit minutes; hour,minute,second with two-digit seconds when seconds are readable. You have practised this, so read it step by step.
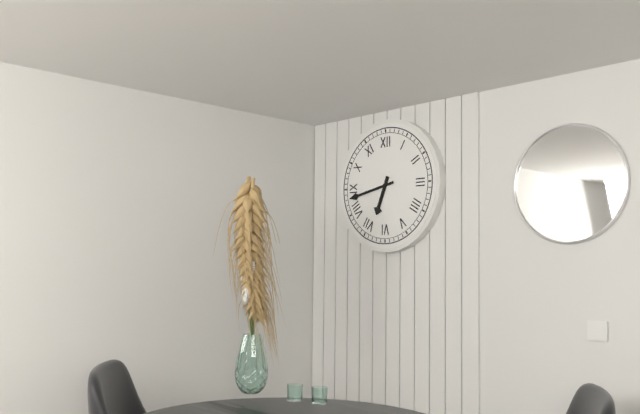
6,43
